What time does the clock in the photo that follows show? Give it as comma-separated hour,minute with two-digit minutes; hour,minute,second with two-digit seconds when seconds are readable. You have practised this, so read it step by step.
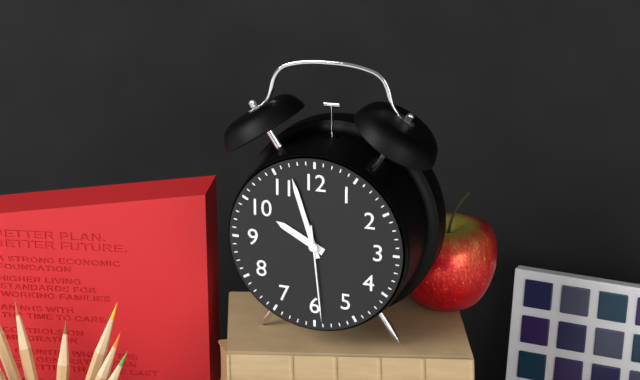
9,57,29
